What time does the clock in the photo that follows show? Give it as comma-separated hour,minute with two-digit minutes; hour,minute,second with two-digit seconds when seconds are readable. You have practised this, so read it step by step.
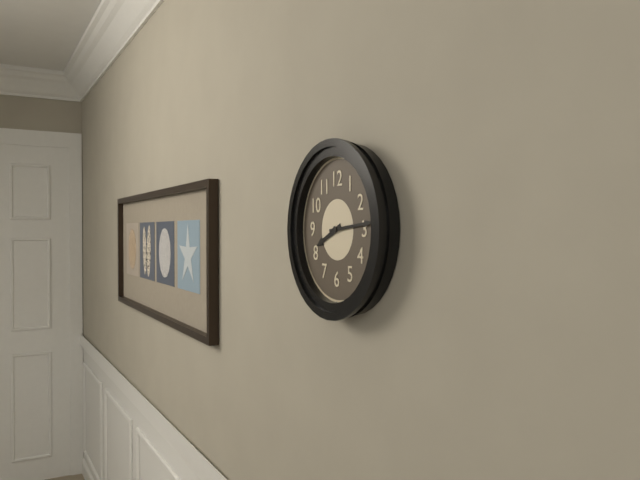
8,14
